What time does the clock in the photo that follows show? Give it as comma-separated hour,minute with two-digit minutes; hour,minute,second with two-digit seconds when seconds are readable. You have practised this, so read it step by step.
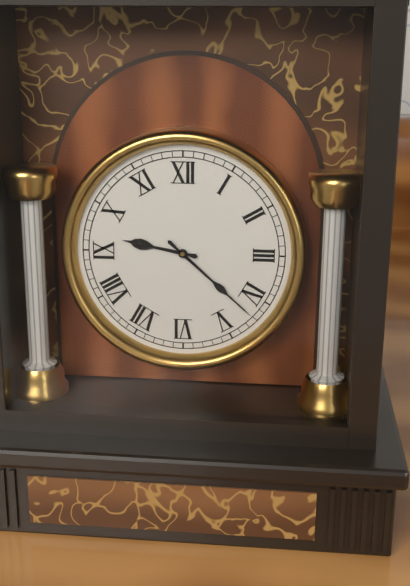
9,22
